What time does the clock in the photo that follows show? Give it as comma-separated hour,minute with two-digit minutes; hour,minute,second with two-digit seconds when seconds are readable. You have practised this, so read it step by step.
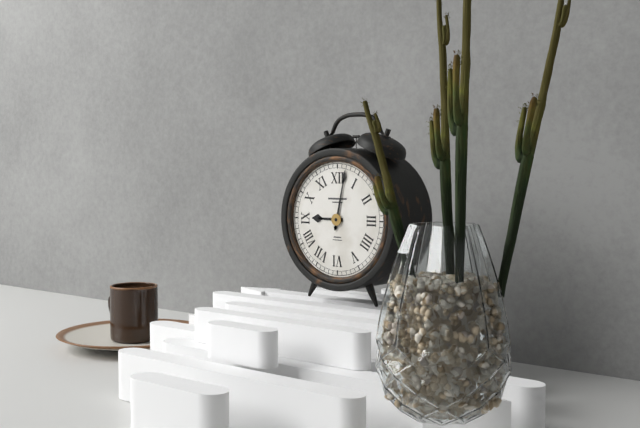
9,02
